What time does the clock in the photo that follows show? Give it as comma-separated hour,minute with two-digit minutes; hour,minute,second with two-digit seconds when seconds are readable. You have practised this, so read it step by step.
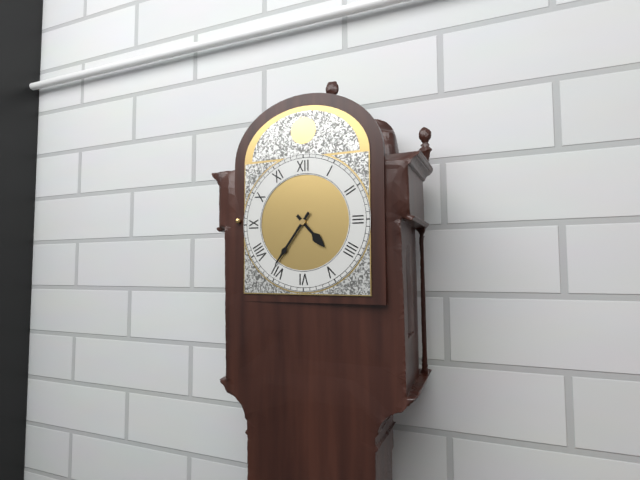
4,36
